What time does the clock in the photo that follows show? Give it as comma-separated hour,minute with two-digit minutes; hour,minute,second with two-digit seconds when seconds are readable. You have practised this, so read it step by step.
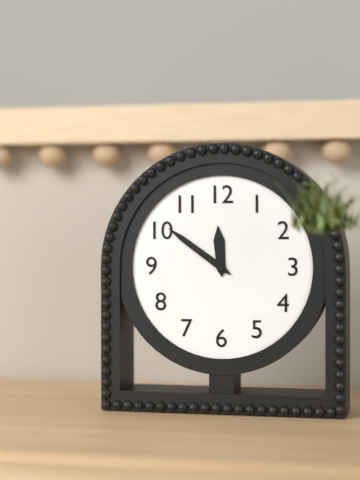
11,51
